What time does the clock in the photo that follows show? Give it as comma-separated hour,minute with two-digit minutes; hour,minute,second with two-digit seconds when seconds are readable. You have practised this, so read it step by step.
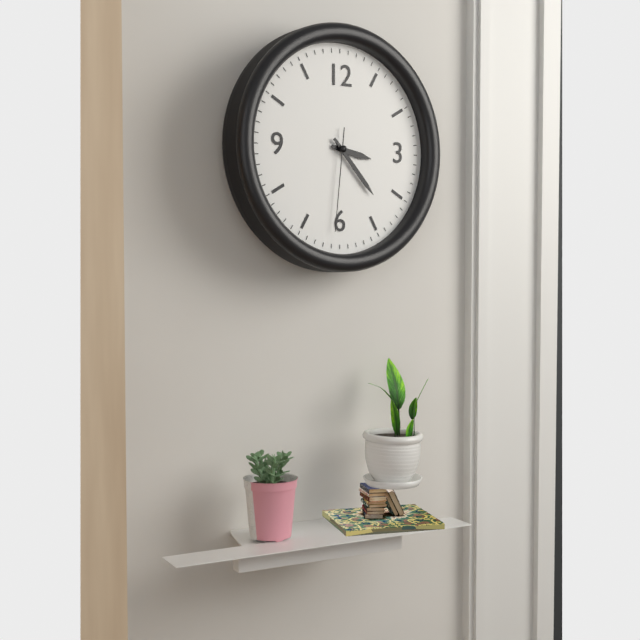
3,23,31
